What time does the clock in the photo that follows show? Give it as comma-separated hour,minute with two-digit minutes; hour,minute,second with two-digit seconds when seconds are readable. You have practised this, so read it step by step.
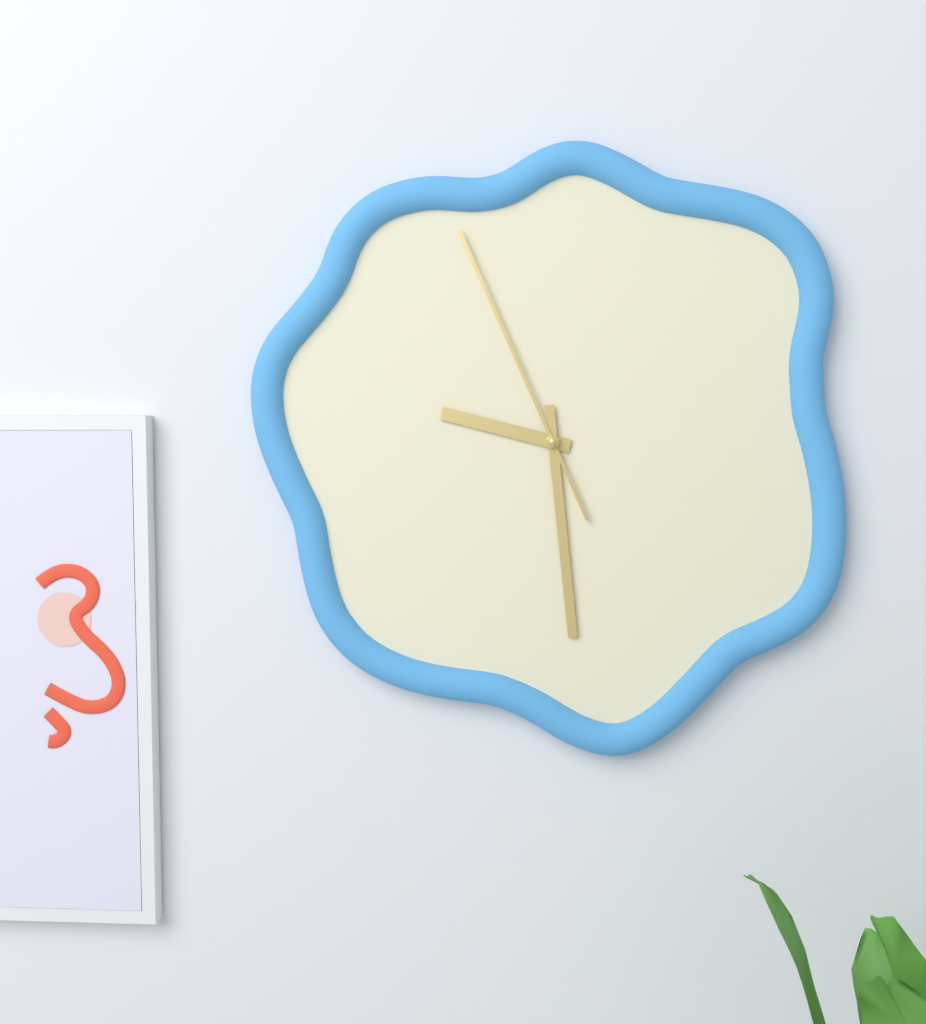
9,29,56
